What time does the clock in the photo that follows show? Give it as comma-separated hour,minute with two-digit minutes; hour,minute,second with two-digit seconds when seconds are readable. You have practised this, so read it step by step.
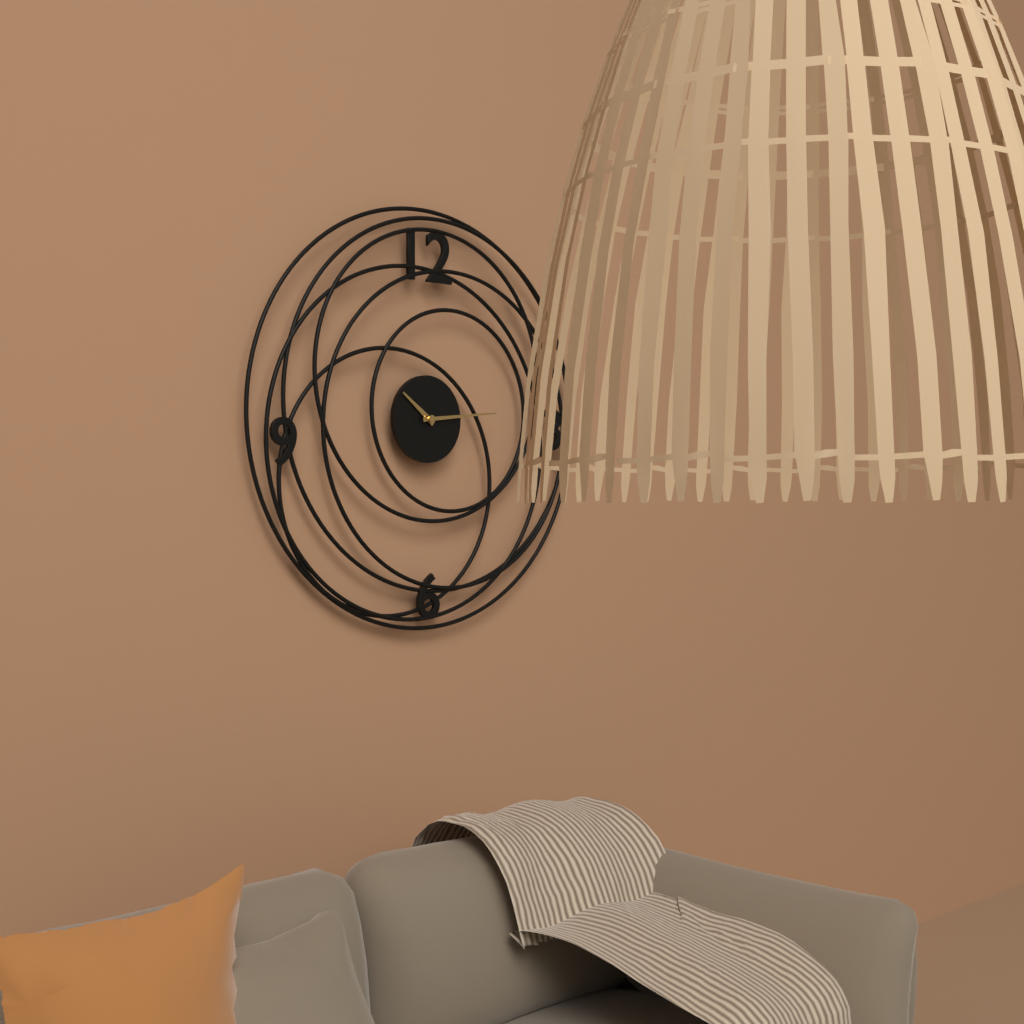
10,14
